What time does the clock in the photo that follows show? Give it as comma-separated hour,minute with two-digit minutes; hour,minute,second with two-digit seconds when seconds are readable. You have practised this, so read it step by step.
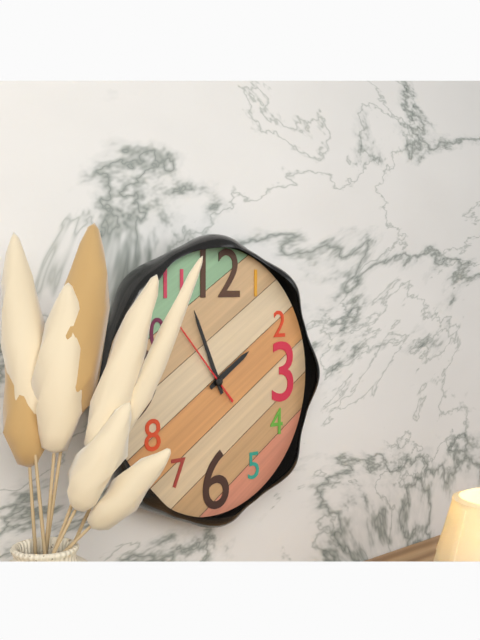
1,56,53
